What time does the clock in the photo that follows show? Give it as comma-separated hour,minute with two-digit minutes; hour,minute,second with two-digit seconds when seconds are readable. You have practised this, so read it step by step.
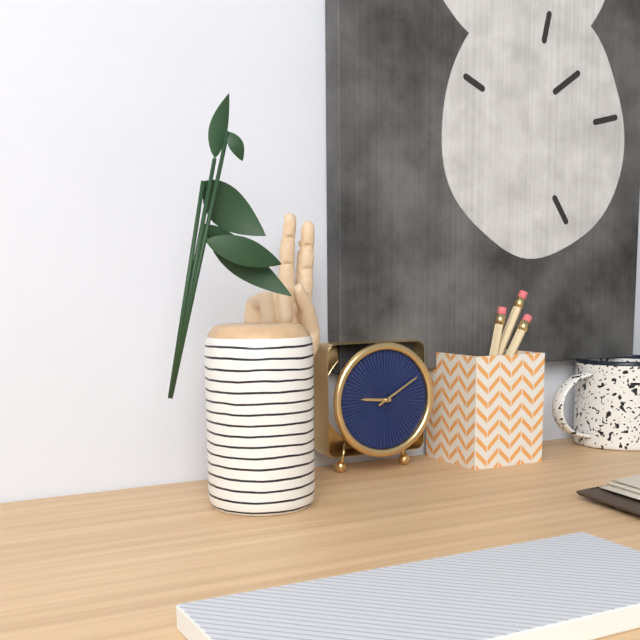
9,10
